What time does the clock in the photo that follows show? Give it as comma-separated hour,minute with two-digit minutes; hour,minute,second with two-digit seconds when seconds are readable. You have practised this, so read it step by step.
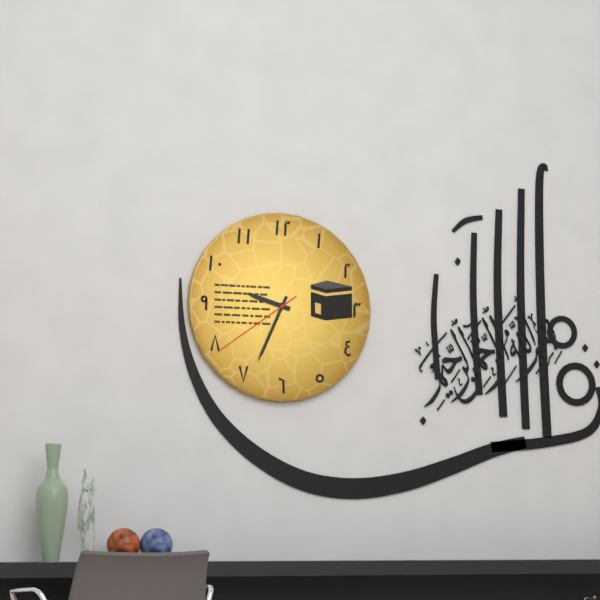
9,34,39
